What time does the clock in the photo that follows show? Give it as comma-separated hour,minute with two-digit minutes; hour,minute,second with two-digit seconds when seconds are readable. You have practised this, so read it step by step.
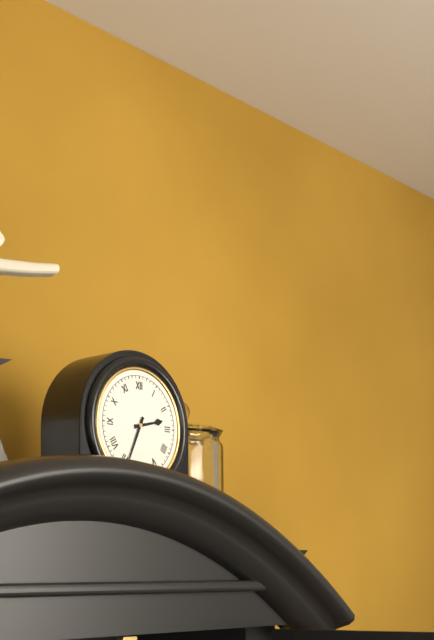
2,34
